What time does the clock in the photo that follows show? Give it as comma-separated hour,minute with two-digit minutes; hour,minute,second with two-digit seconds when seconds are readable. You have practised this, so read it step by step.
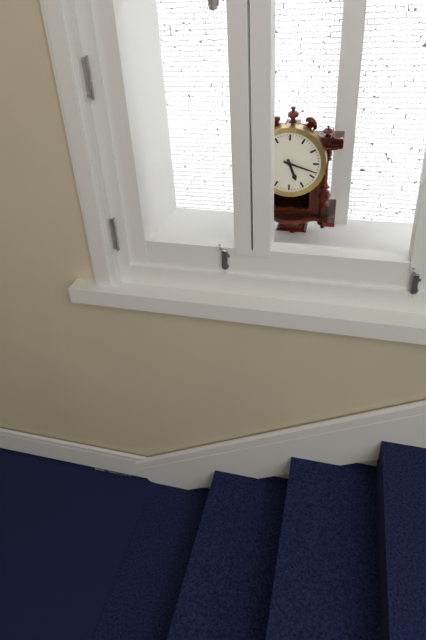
5,18
